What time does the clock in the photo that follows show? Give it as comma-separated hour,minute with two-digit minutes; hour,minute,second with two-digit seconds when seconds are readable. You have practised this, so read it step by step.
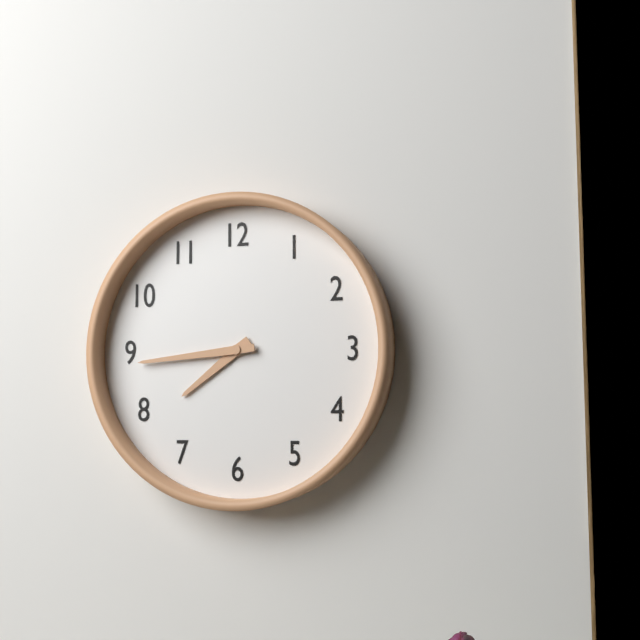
7,44
